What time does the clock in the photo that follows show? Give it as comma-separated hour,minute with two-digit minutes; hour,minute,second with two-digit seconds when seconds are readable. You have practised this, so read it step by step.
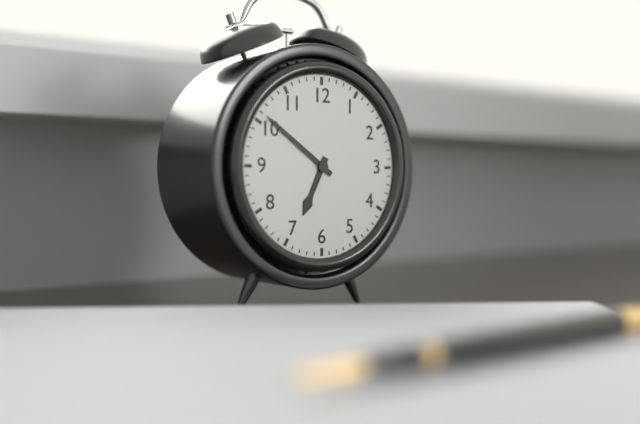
6,51
